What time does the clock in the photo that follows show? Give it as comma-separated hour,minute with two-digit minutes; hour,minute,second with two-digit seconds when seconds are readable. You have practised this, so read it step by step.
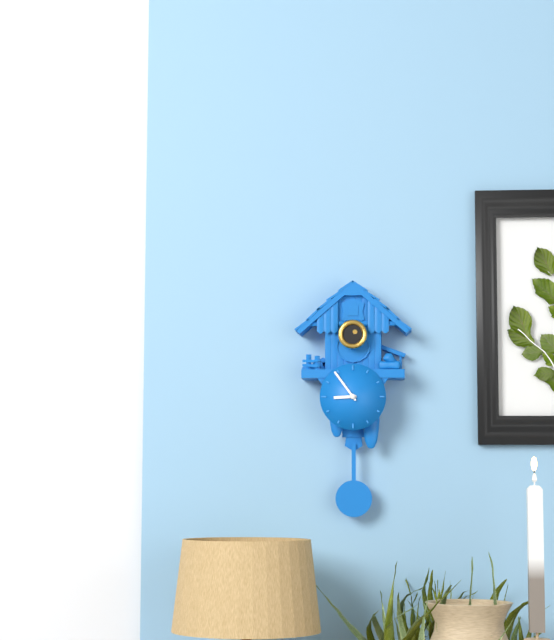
8,54
